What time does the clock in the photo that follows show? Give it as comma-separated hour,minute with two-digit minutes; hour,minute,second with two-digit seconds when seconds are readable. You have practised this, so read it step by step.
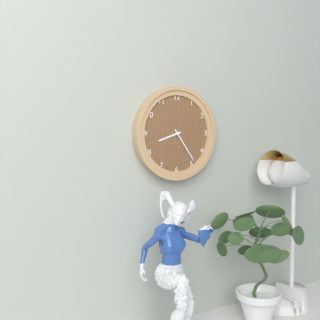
8,24
